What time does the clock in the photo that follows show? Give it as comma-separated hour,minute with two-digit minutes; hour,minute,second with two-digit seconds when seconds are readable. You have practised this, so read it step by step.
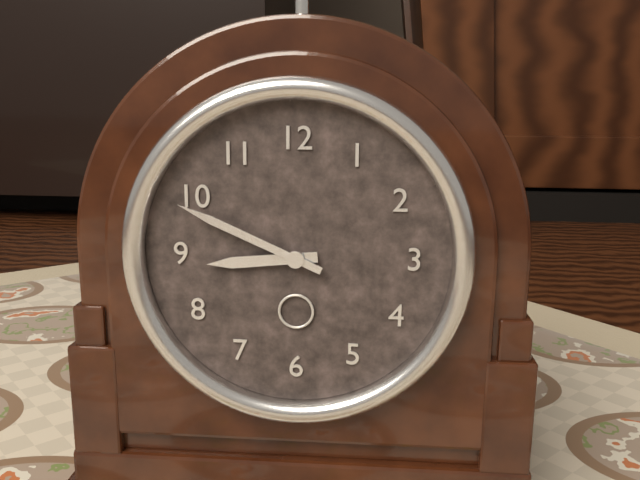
8,49
